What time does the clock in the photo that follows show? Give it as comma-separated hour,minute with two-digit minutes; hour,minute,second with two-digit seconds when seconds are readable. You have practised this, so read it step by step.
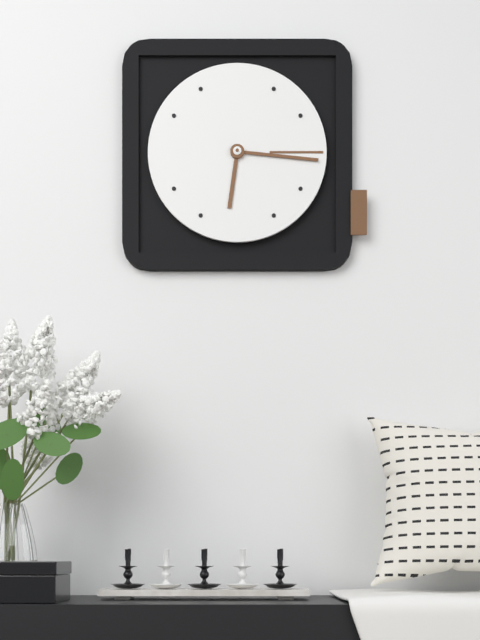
6,16
